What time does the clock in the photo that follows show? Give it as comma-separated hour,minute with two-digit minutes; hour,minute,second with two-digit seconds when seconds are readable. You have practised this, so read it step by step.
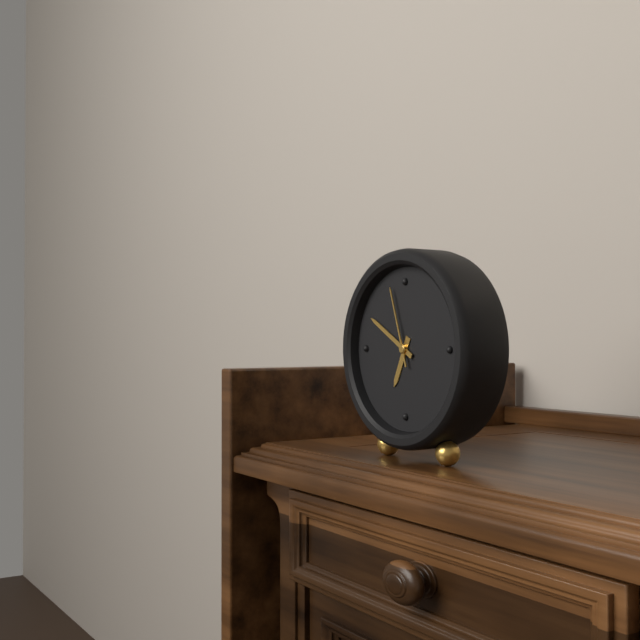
6,50,57
